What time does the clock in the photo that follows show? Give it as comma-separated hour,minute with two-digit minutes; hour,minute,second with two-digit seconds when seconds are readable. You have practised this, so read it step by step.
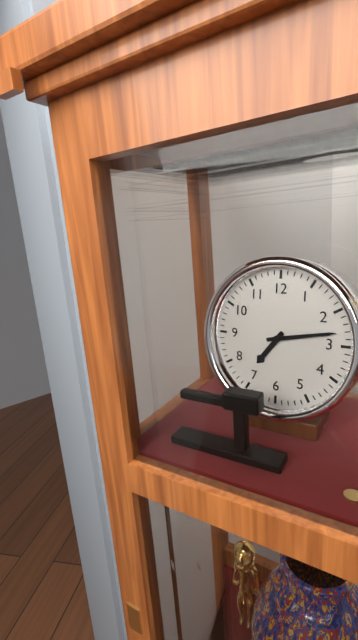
7,13
